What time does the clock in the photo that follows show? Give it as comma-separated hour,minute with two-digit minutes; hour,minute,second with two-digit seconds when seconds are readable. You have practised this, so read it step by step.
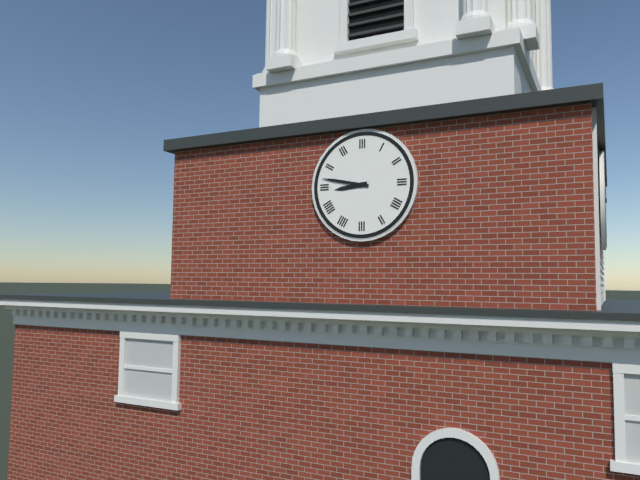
8,47
